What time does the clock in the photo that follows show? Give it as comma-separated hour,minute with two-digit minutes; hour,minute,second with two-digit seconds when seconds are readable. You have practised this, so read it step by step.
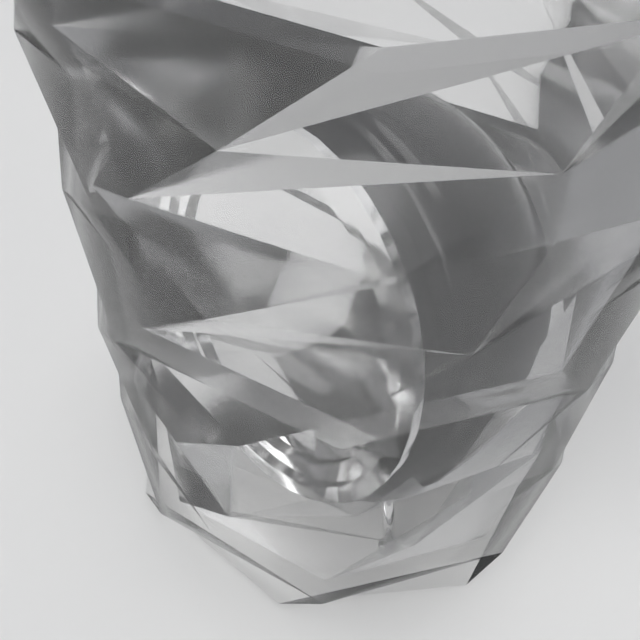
3,36,07
